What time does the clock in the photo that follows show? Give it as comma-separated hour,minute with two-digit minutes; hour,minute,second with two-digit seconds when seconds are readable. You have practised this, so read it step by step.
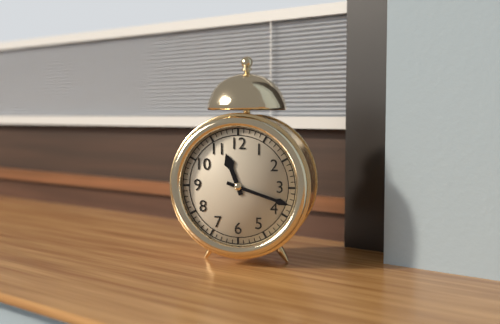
11,18
